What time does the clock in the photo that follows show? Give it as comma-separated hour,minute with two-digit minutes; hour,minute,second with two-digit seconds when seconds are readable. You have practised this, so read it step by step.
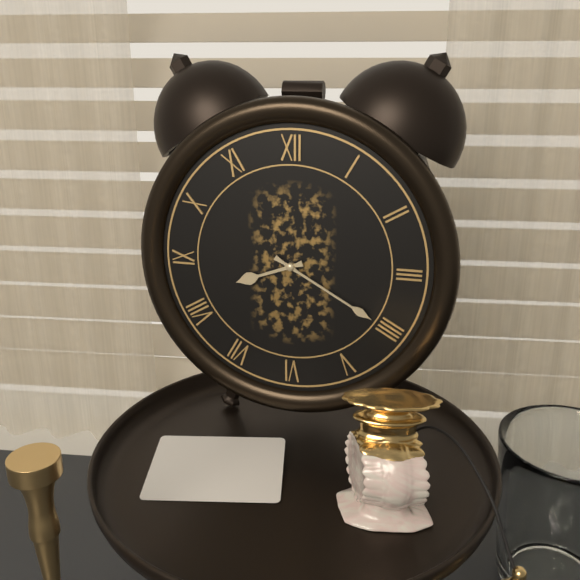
8,20
